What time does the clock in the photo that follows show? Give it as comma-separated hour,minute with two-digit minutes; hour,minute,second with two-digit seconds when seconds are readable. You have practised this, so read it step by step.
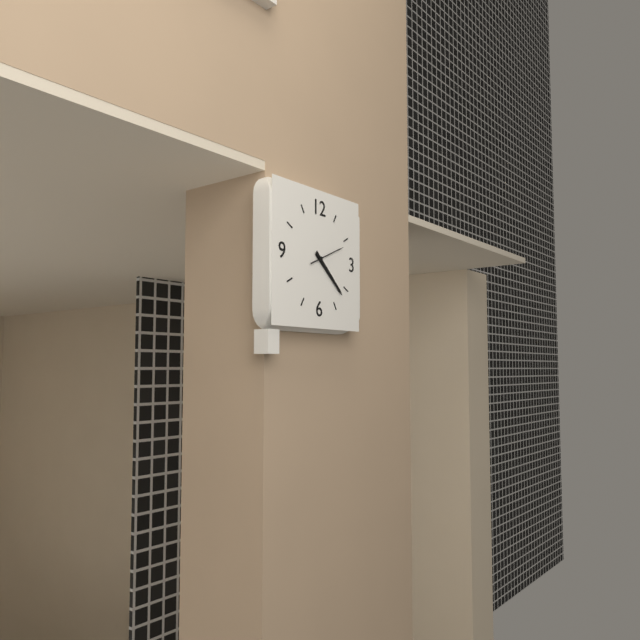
4,22
